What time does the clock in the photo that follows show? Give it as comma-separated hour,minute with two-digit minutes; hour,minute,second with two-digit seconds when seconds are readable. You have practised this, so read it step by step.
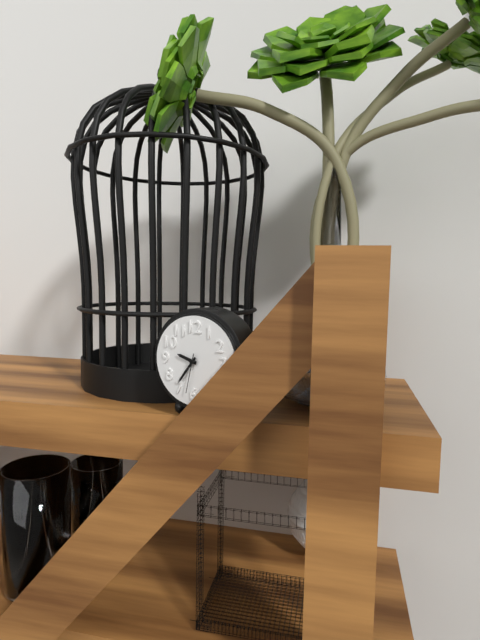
9,36
